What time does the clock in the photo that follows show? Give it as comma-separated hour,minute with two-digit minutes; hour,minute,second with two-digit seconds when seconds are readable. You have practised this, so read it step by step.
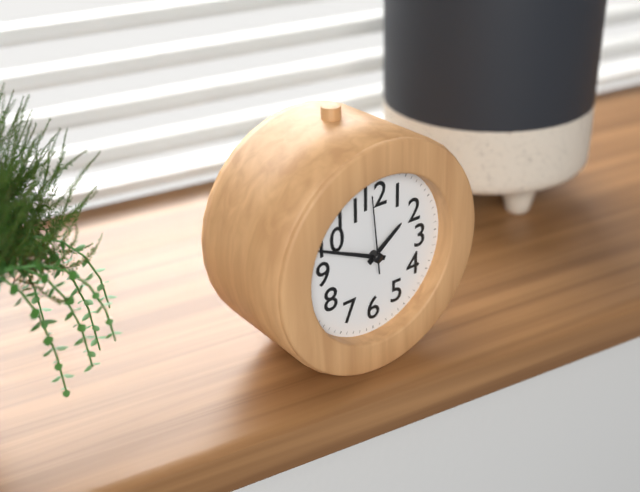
1,49,59
